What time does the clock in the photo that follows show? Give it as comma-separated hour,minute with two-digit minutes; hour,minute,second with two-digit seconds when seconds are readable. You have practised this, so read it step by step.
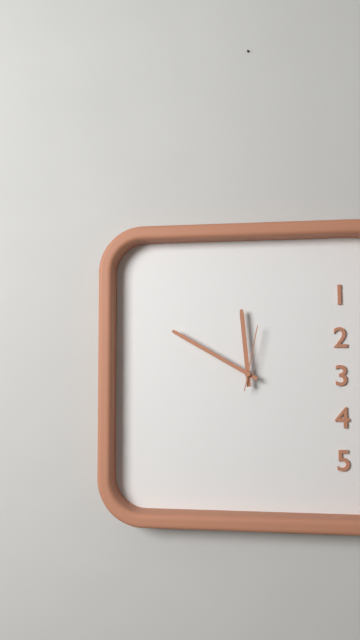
11,50,02
